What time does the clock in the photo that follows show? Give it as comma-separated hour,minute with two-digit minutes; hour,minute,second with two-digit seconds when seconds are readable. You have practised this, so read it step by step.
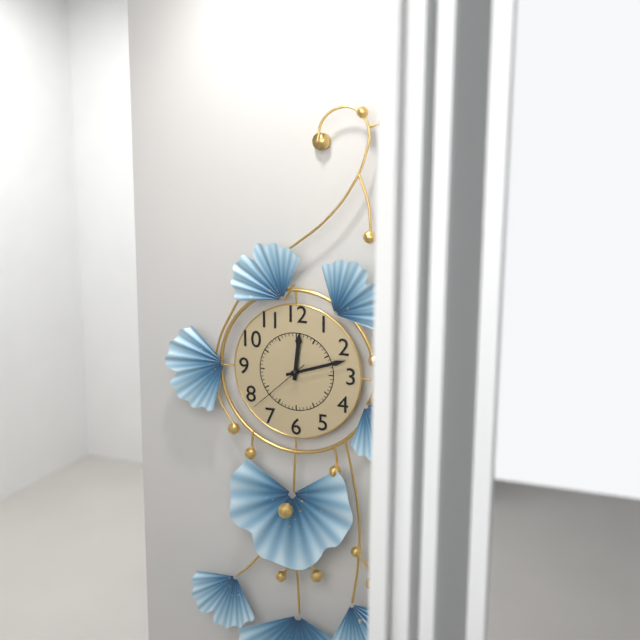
12,12,38
